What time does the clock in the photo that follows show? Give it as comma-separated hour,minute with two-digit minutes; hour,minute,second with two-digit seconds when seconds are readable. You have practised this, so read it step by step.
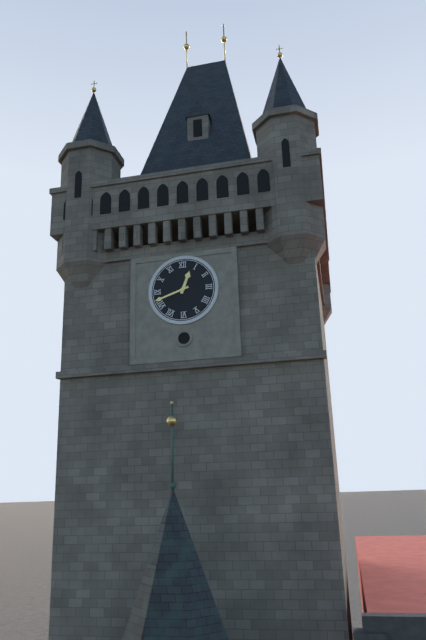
12,42
